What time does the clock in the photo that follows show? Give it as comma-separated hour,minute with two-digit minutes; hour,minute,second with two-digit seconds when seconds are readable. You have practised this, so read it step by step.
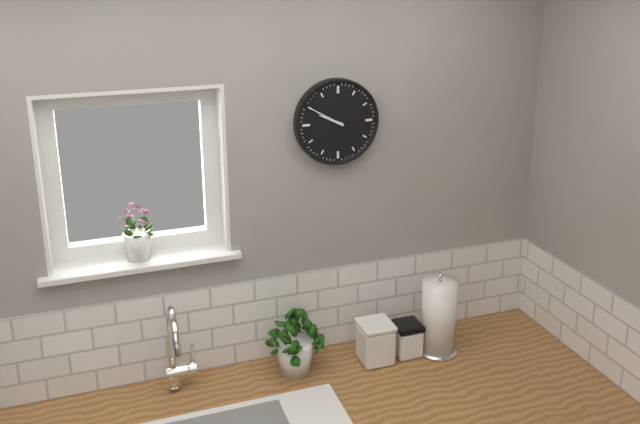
9,50
